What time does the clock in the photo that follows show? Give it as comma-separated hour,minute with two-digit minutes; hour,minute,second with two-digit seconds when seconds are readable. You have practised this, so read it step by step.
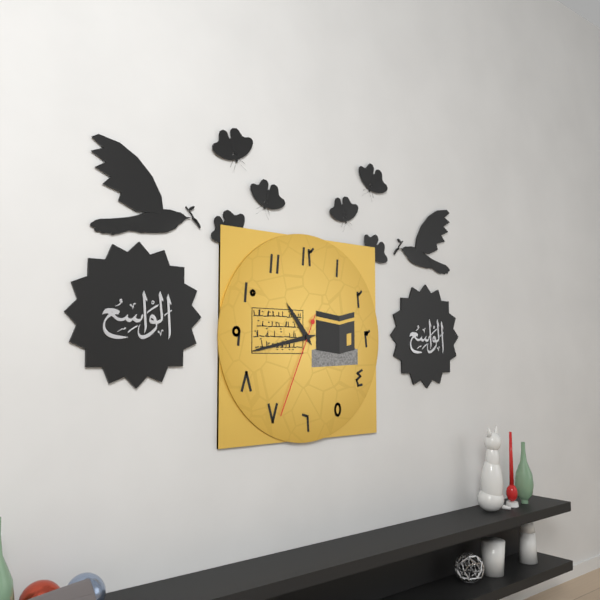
10,43,34
